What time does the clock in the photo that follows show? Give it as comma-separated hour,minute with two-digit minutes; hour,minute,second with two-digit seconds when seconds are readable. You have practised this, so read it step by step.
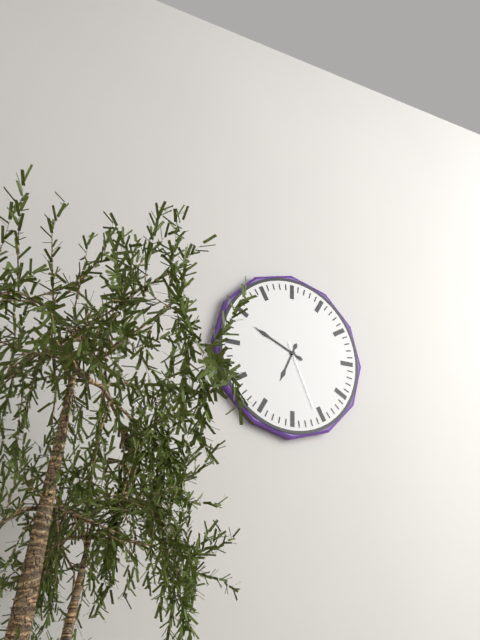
6,49,26
